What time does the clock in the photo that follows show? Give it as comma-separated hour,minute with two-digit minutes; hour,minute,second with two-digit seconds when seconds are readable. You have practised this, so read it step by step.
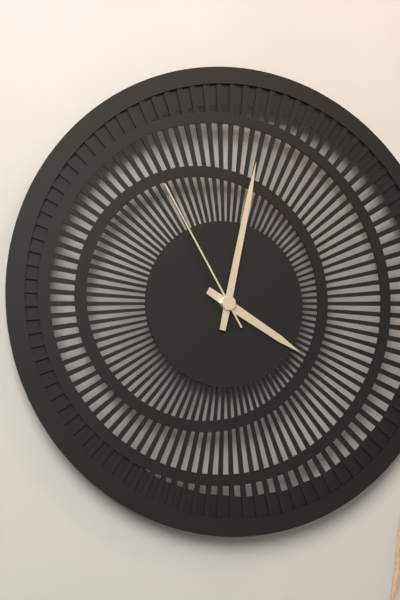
4,02,55
